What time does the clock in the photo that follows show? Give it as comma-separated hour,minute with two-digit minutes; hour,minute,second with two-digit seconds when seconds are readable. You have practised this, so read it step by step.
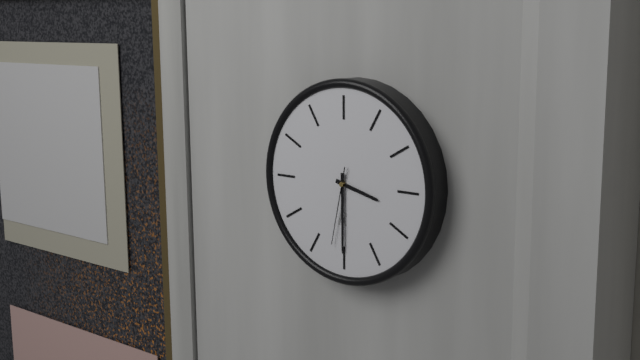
3,30,32
